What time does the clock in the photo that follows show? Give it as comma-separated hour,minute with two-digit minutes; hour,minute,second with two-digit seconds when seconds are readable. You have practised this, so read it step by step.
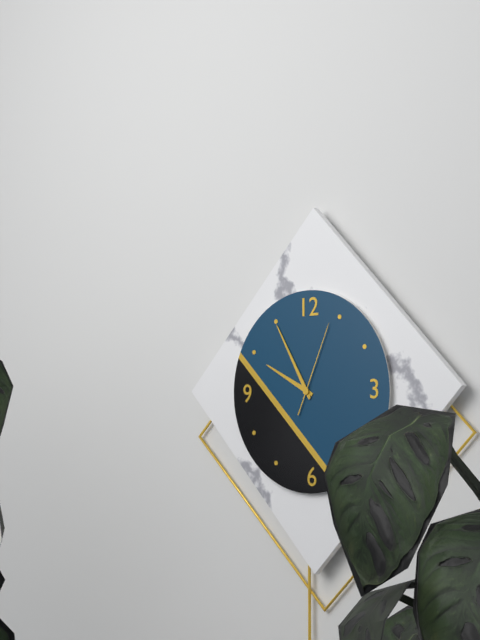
9,55,04
